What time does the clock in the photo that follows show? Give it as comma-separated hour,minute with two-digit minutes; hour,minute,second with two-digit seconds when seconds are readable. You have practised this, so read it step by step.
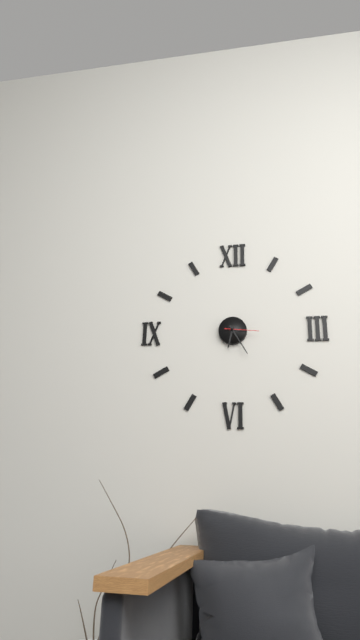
6,25
